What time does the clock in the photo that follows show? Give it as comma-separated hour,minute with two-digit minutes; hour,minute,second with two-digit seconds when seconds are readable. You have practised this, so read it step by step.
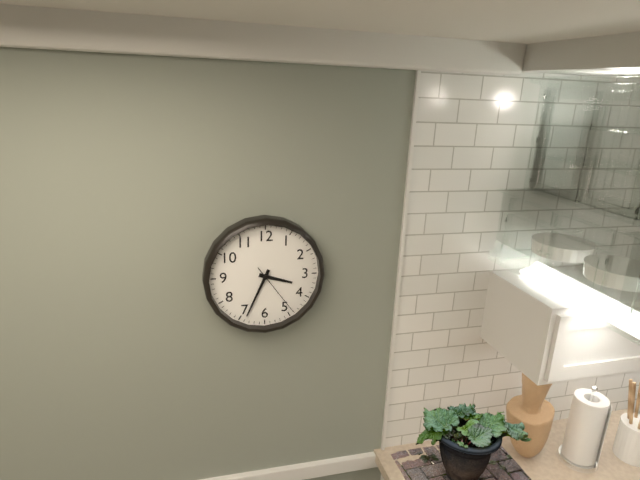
3,34,24
